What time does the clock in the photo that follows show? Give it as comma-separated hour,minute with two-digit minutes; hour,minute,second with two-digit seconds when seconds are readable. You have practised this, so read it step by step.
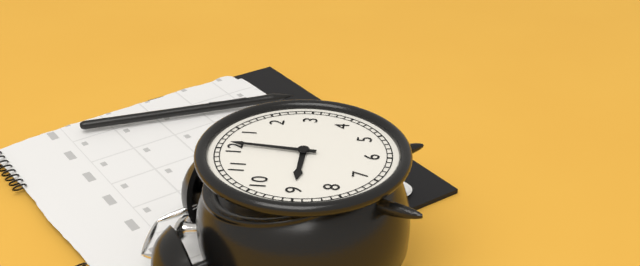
9,01
